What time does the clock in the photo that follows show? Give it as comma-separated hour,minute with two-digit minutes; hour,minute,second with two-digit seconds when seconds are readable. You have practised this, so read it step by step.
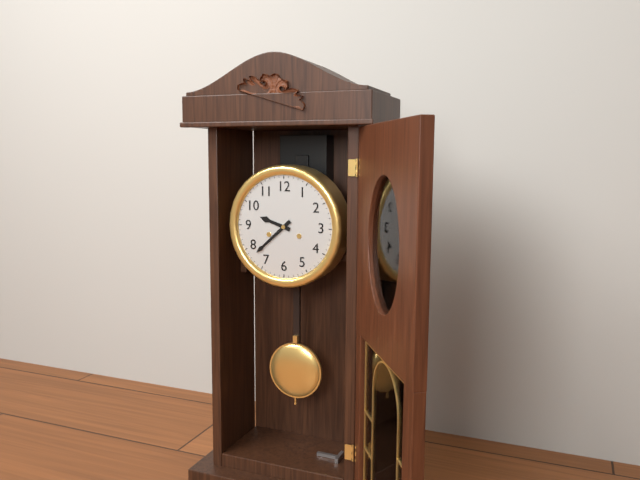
9,38
